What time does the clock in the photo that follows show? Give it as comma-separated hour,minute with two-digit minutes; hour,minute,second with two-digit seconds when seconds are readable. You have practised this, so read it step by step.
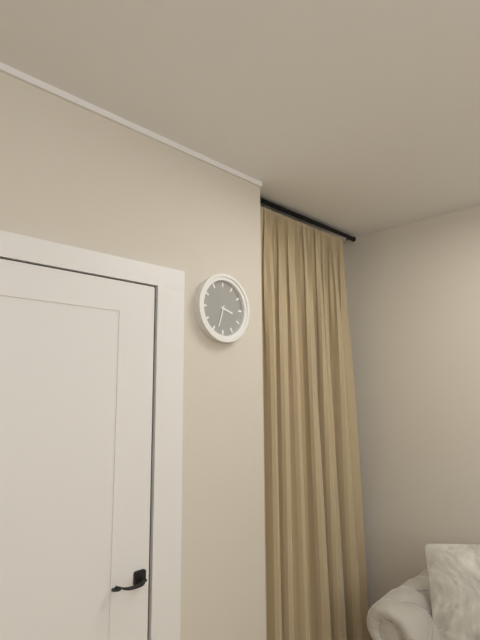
3,33
